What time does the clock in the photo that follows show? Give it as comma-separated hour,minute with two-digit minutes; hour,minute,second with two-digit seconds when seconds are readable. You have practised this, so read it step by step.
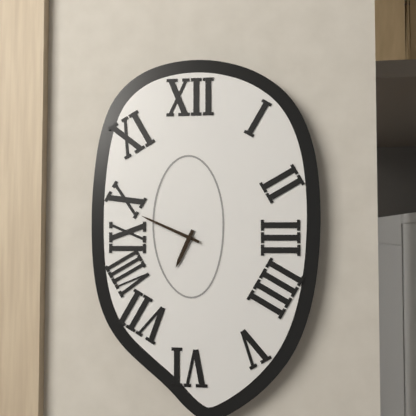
6,49
